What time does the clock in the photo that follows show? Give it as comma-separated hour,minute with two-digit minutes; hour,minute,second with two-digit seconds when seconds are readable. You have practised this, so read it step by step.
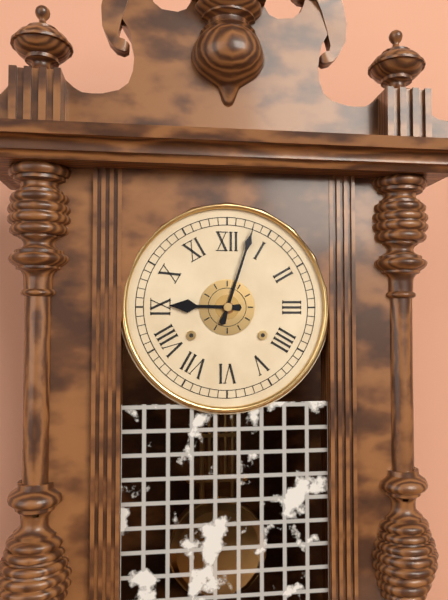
9,03
